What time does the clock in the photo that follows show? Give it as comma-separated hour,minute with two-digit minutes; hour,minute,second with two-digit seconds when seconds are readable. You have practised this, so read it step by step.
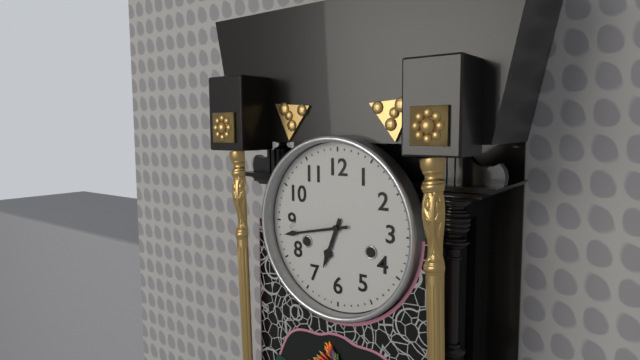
6,43
